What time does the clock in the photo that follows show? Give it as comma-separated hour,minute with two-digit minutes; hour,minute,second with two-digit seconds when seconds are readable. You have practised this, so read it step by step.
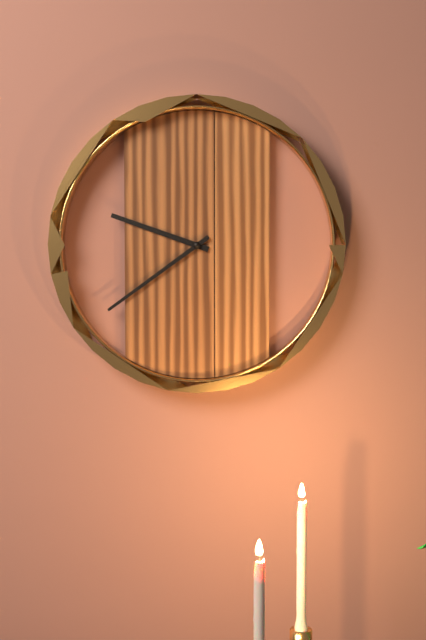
9,39
